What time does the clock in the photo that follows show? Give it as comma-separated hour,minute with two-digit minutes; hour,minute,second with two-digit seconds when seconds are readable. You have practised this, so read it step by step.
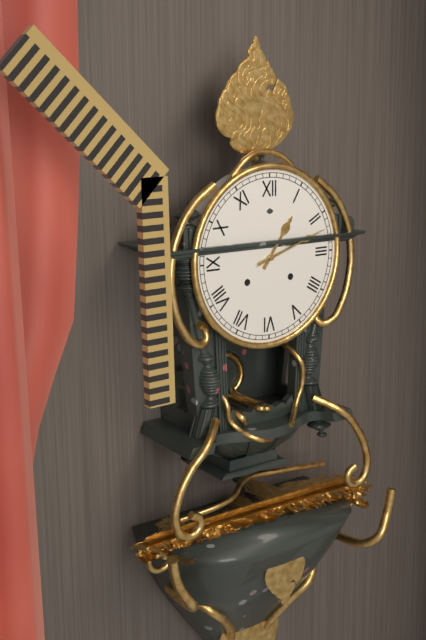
1,12
